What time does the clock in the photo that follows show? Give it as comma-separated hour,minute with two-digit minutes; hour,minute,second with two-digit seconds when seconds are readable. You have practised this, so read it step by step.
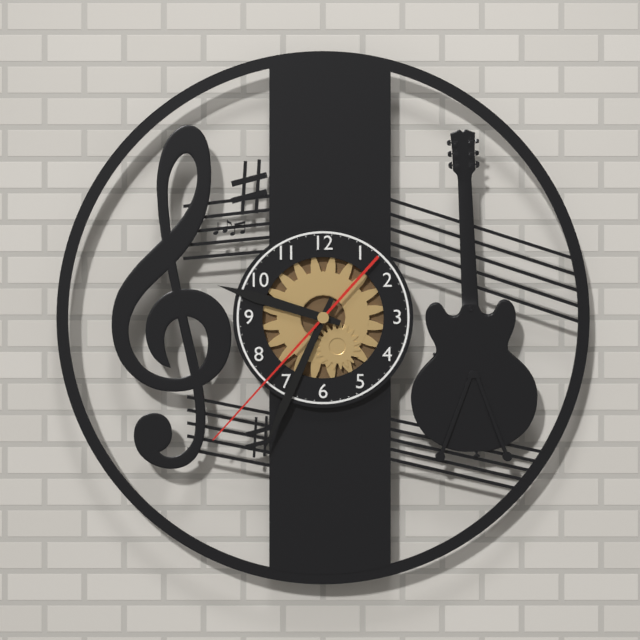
9,34,37
